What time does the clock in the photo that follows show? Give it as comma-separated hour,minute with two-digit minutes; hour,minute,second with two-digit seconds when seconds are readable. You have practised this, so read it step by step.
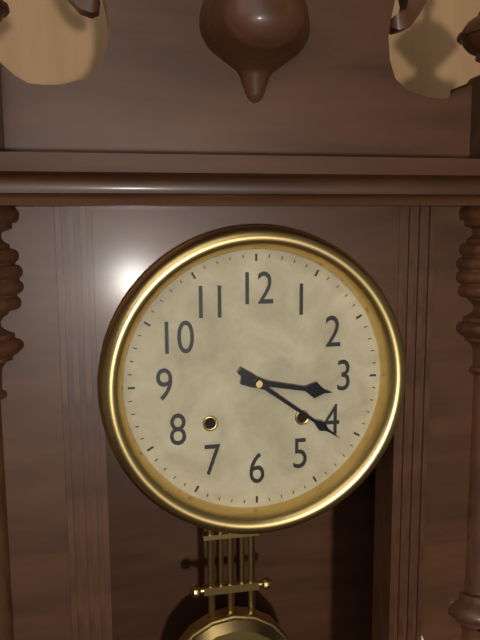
3,21
